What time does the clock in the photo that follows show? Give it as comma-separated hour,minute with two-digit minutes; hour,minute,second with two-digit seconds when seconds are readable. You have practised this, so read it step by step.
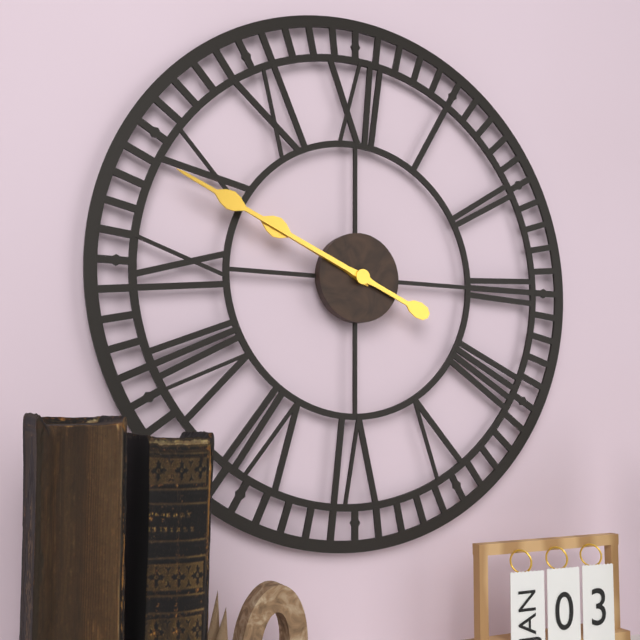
9,49
